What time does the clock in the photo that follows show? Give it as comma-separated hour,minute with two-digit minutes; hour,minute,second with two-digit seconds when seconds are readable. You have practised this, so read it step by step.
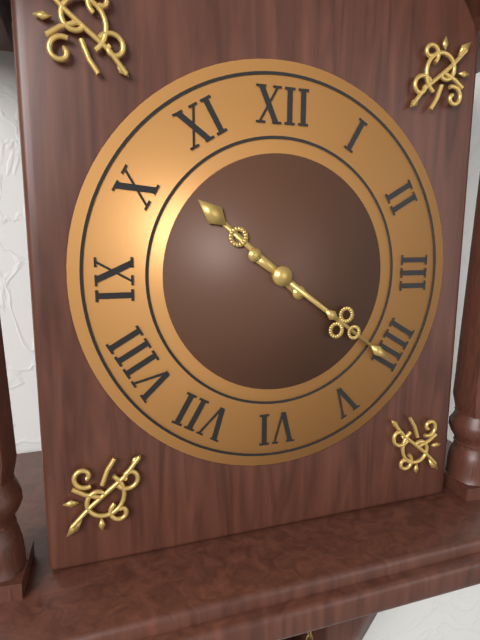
10,21
